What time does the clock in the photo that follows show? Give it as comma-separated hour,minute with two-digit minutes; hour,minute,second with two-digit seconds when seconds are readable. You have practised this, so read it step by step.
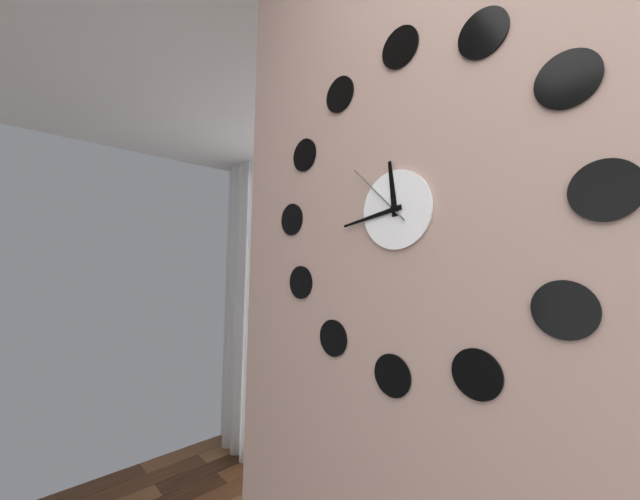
11,43,52
